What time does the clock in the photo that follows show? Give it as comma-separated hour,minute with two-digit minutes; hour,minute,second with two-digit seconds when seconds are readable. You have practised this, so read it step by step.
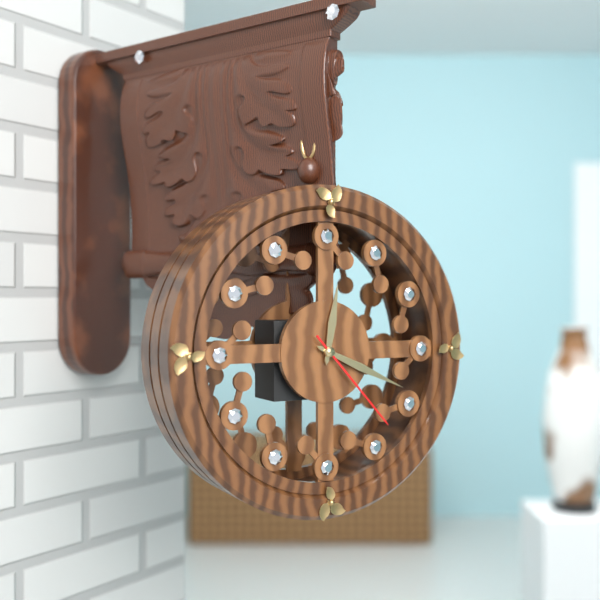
12,19,23
